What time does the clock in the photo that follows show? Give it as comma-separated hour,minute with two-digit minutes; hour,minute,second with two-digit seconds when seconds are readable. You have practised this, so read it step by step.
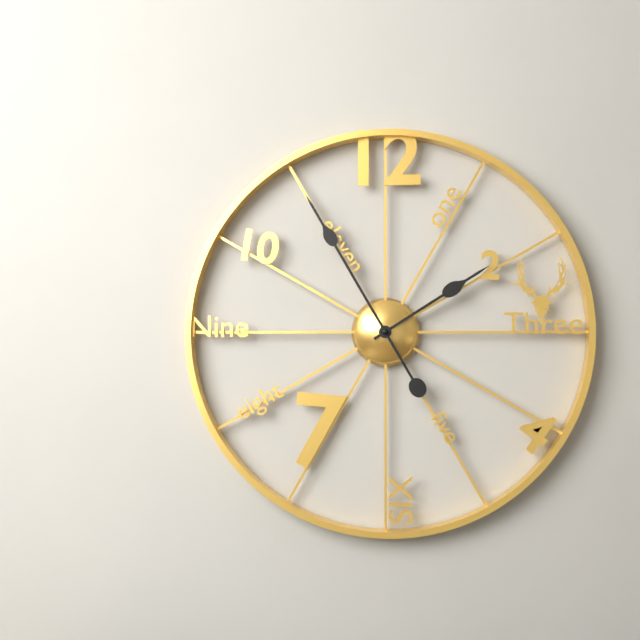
1,55
